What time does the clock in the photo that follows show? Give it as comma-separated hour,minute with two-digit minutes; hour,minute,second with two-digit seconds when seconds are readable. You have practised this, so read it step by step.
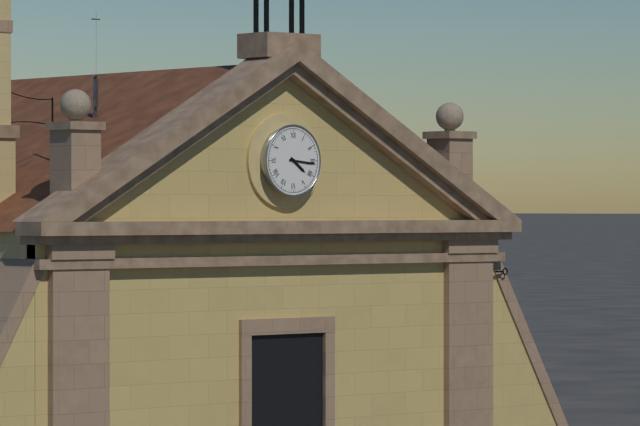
4,16
